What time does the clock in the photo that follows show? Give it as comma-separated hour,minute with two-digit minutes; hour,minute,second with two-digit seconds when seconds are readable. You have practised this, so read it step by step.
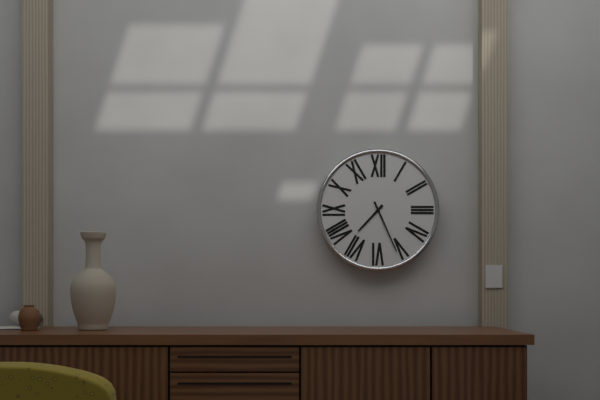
7,26
